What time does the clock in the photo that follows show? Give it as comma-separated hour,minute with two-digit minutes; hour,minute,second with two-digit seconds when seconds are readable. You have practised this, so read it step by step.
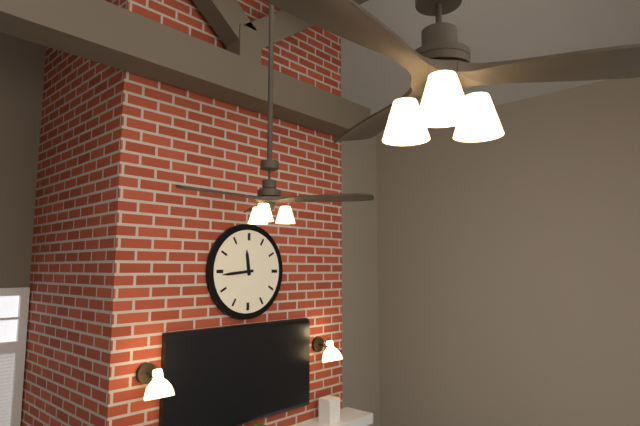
11,44
